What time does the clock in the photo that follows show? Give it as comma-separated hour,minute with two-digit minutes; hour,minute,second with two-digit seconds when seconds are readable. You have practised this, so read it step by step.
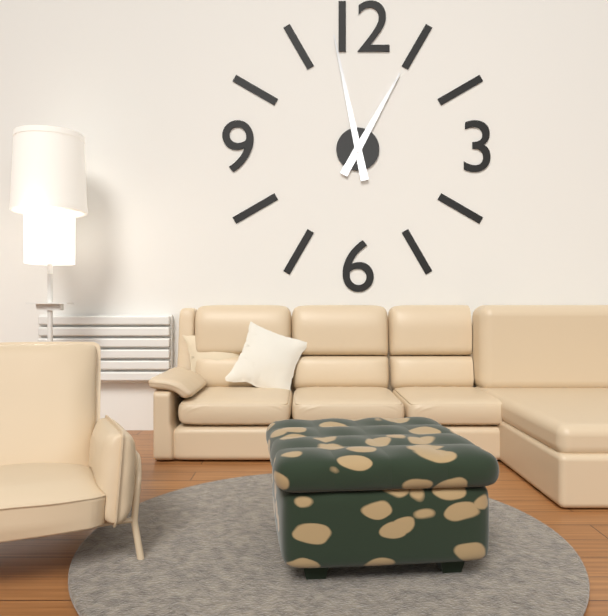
12,58
